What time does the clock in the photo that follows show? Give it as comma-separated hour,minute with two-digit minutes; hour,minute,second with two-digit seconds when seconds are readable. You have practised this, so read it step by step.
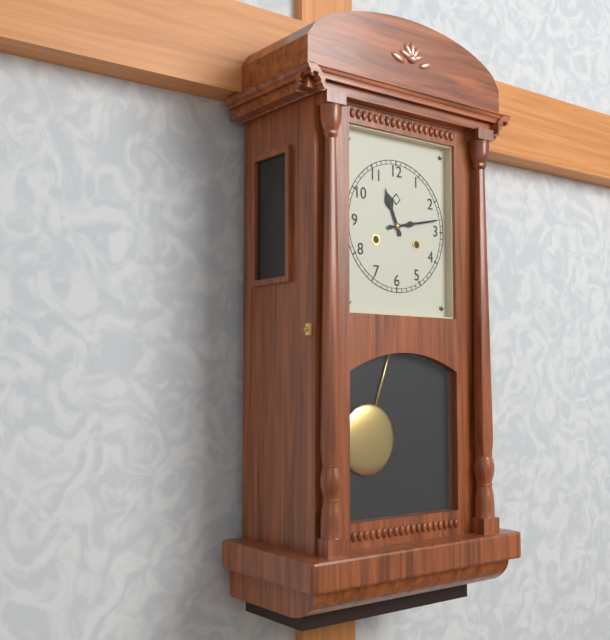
11,13
